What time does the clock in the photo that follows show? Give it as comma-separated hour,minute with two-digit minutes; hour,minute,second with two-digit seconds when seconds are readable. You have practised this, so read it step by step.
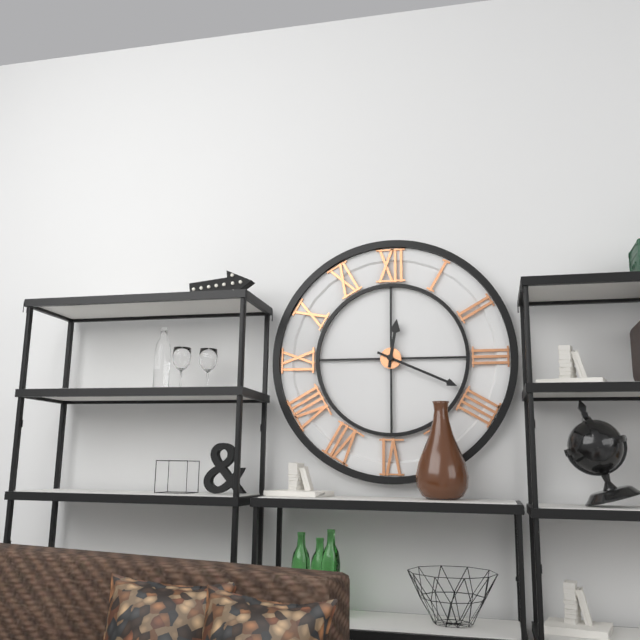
12,19
